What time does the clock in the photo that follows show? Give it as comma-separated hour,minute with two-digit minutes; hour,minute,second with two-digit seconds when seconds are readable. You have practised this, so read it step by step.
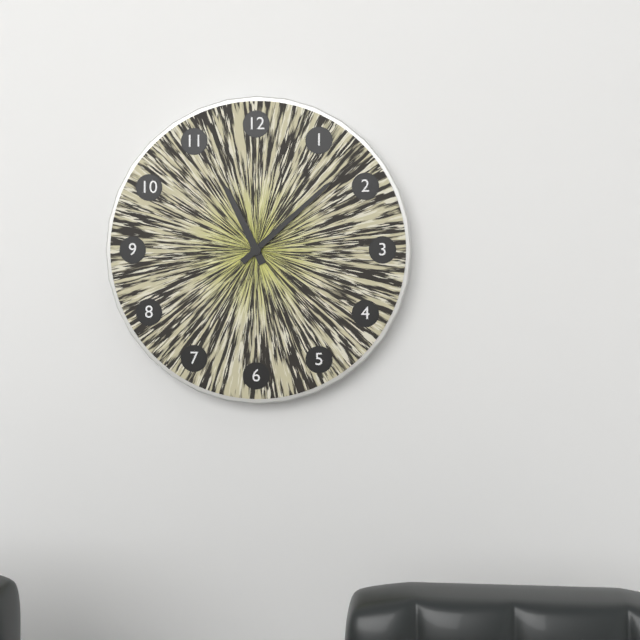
11,08
